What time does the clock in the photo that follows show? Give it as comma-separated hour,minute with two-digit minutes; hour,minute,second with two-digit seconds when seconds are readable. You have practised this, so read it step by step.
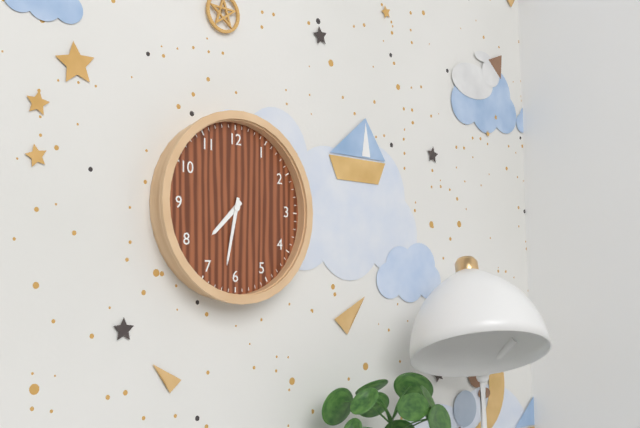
7,32
